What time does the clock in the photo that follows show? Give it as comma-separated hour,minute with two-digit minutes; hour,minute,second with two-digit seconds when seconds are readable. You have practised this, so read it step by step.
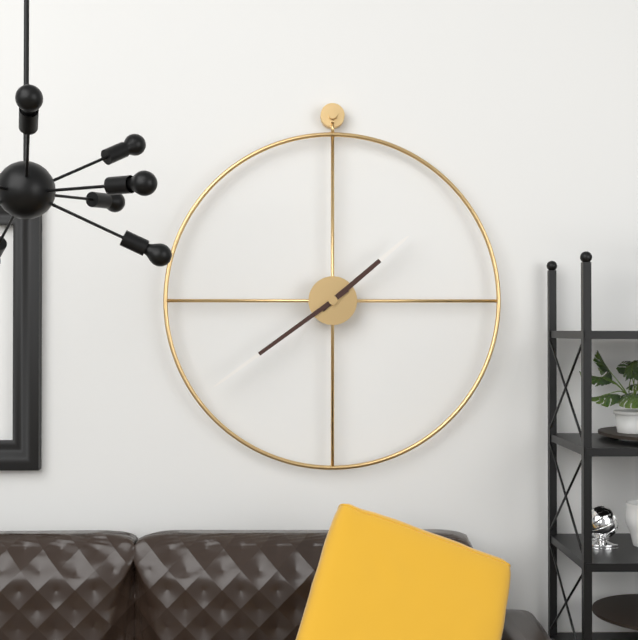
1,39
